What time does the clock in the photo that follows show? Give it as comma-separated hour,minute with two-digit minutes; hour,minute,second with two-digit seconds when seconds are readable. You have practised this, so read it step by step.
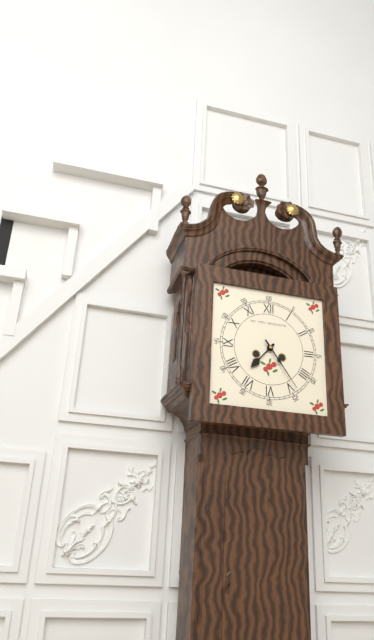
7,24
